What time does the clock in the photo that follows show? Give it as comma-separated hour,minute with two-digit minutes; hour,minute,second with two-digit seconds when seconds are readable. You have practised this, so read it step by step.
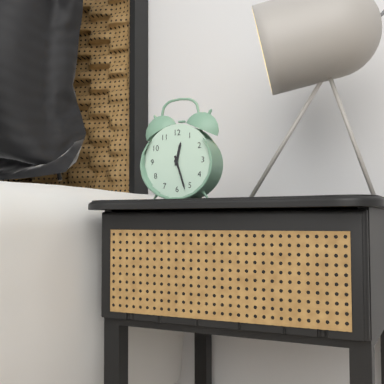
12,27
